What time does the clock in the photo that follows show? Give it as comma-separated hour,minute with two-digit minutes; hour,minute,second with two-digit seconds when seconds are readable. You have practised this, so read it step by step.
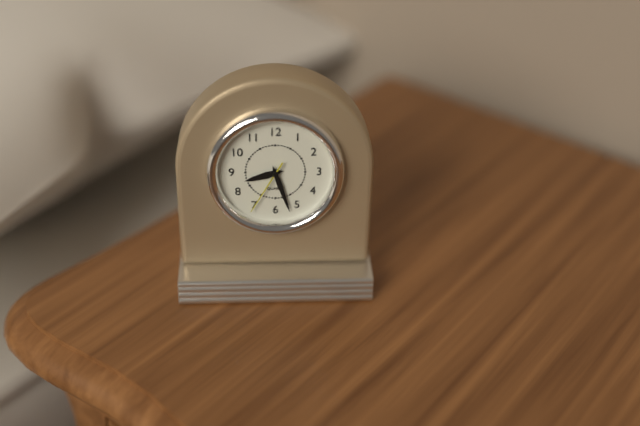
8,27,35
